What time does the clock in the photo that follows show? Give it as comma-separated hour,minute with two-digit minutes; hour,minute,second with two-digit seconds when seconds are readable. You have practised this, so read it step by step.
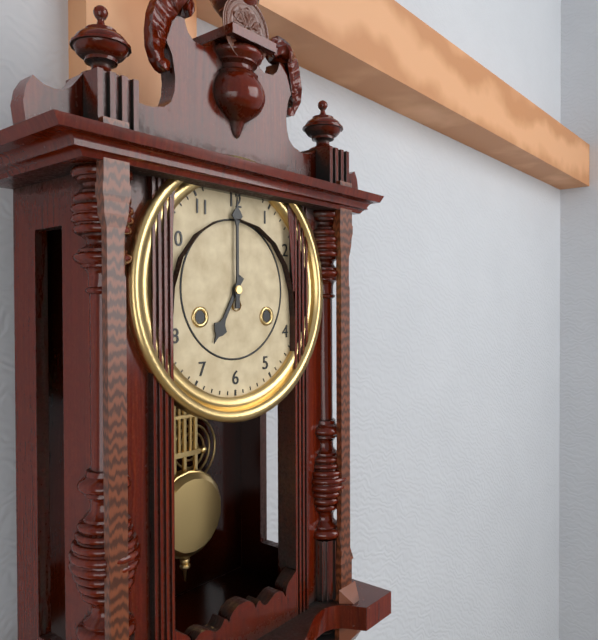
7,00
